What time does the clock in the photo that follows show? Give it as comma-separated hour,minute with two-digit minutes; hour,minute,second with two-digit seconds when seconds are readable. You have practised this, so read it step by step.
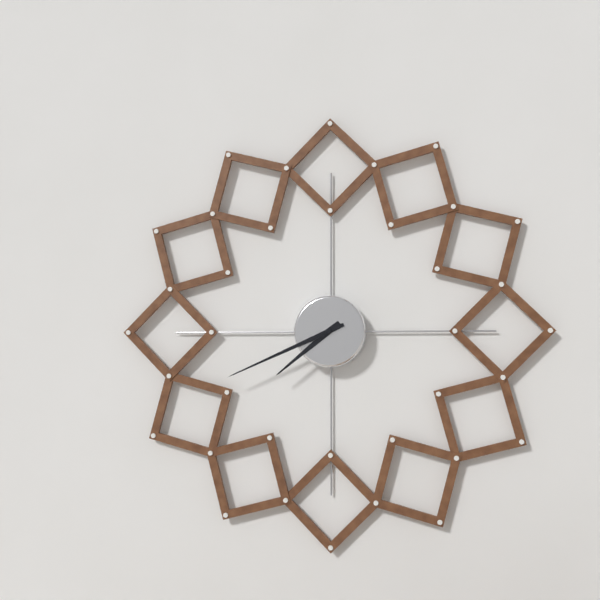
7,41
